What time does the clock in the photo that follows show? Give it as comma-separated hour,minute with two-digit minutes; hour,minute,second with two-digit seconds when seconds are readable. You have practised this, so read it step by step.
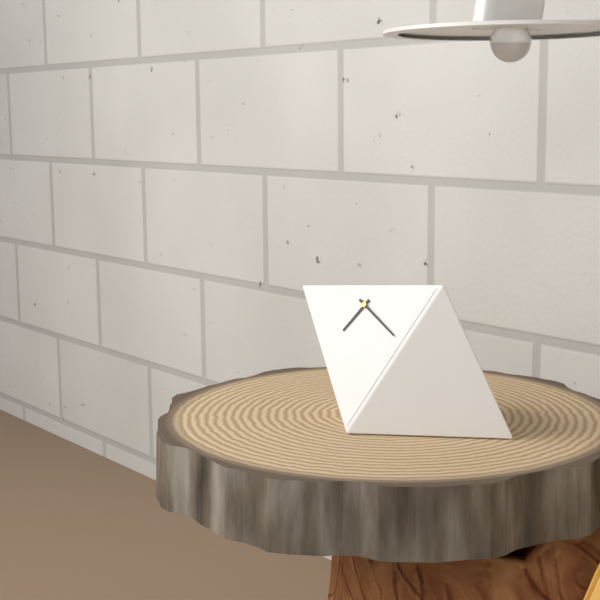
7,21
